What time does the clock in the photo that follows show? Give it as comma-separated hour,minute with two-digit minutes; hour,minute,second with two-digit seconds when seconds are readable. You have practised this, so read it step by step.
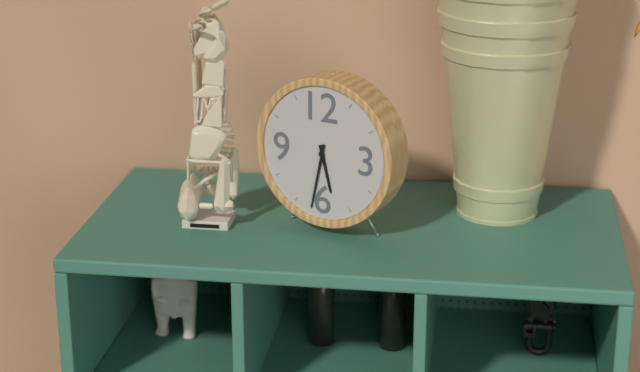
5,32
